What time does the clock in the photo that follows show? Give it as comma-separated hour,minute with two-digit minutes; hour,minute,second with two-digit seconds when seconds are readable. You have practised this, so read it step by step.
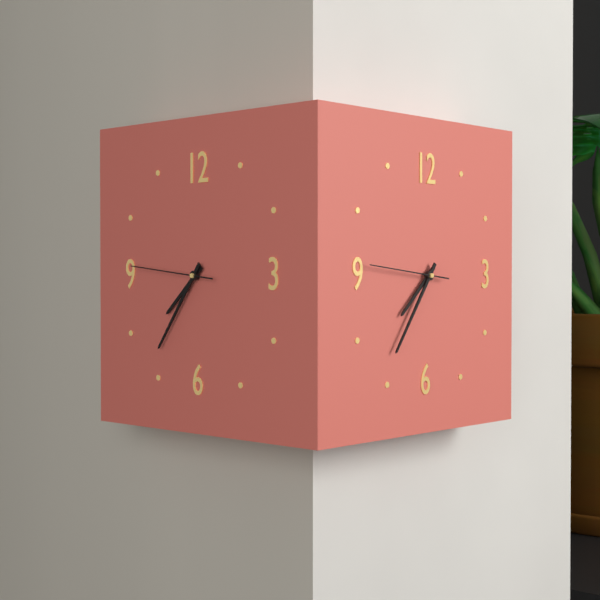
7,36,46
